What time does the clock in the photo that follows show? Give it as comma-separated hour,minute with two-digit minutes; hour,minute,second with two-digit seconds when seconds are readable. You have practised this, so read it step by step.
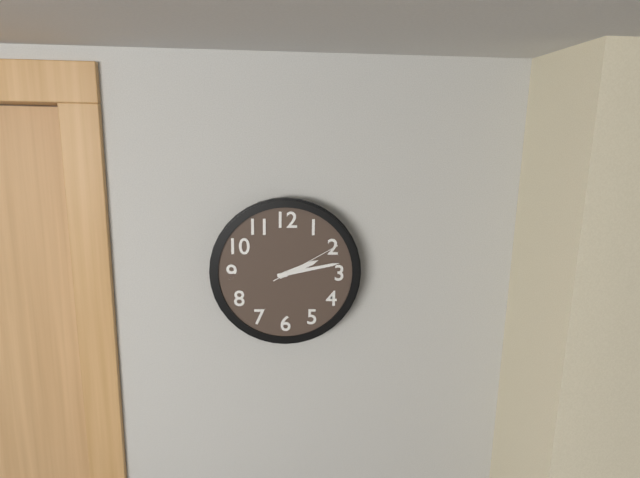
2,13,10
